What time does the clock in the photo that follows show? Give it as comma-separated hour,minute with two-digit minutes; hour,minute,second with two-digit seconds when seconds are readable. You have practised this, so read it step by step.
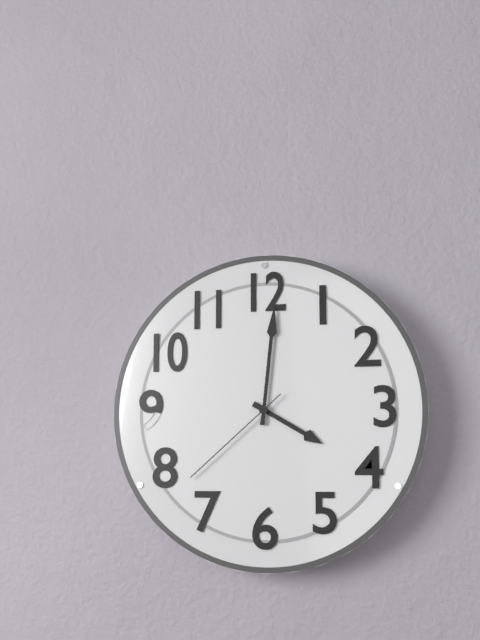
4,01,38
